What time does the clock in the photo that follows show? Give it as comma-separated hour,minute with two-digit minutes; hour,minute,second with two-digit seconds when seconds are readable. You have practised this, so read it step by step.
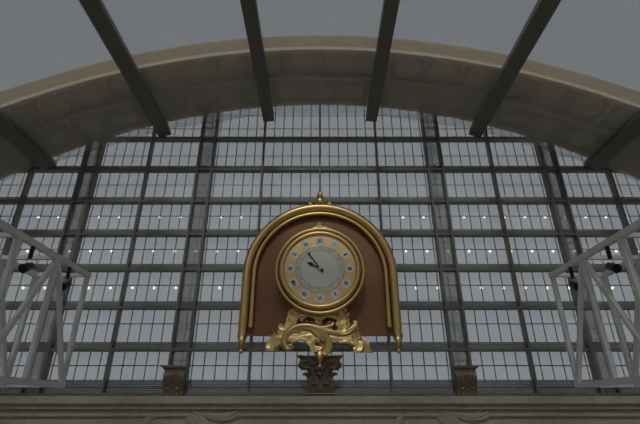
9,54
